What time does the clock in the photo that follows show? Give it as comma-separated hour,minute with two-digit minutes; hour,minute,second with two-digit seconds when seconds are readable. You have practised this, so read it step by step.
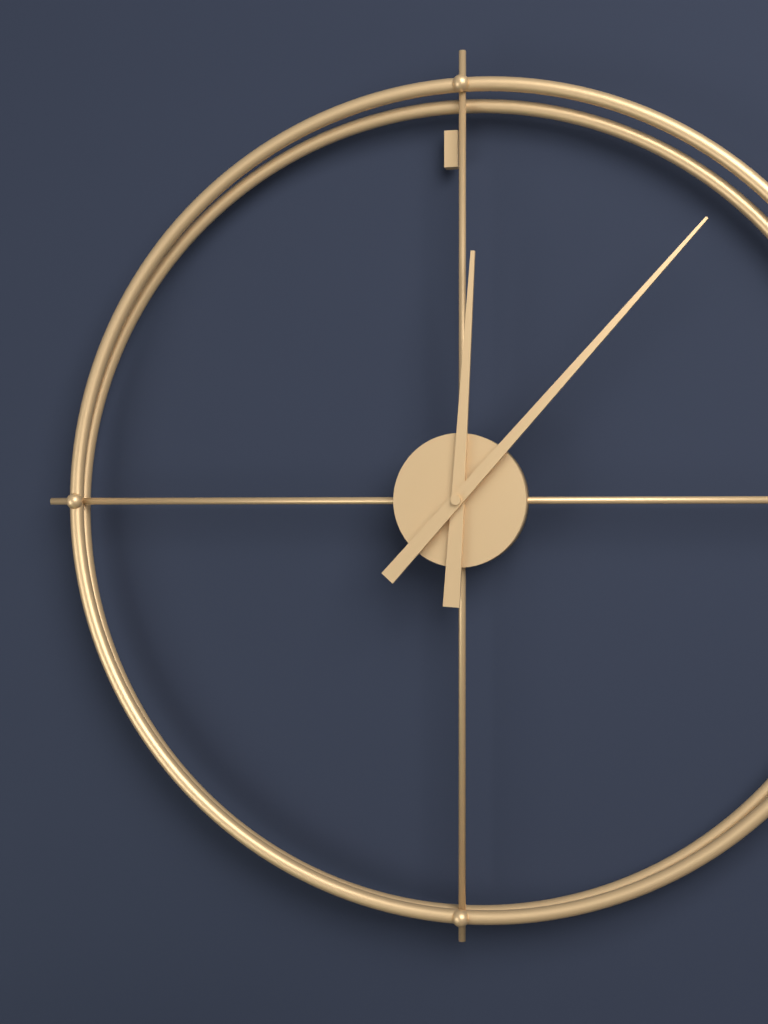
12,07
